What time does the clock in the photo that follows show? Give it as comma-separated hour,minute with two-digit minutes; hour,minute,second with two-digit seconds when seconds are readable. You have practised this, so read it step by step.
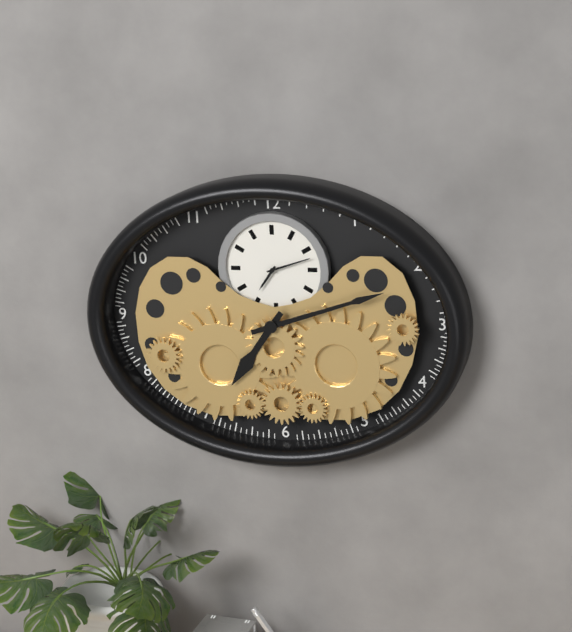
7,12
